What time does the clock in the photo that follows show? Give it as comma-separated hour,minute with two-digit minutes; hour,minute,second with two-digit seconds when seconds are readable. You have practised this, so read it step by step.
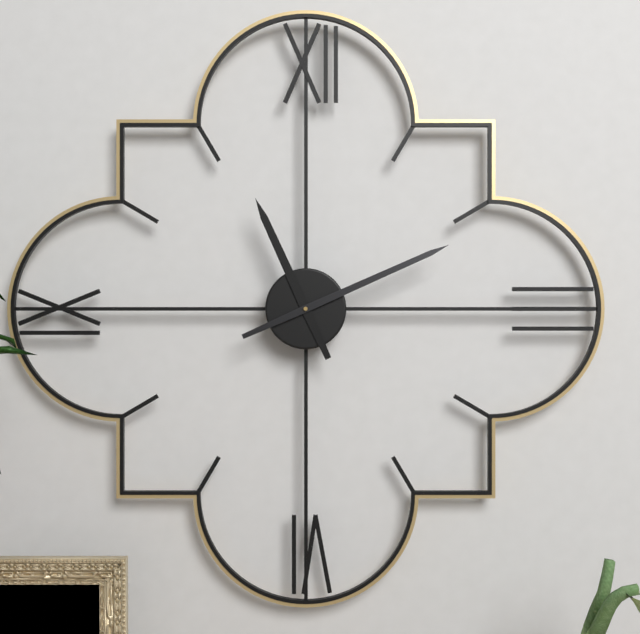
11,11
